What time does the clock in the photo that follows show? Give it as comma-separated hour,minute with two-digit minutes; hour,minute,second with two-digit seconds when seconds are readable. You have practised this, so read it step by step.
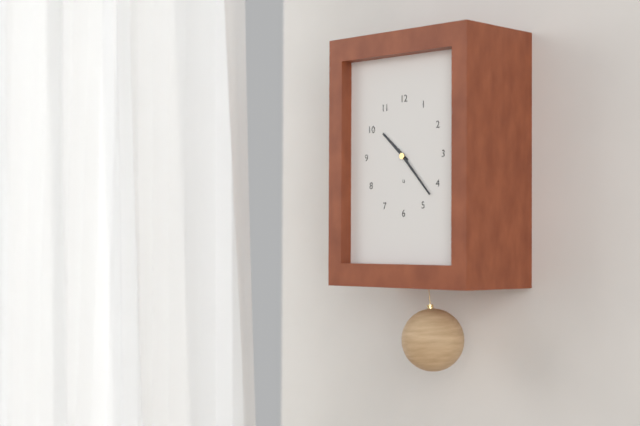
10,23
